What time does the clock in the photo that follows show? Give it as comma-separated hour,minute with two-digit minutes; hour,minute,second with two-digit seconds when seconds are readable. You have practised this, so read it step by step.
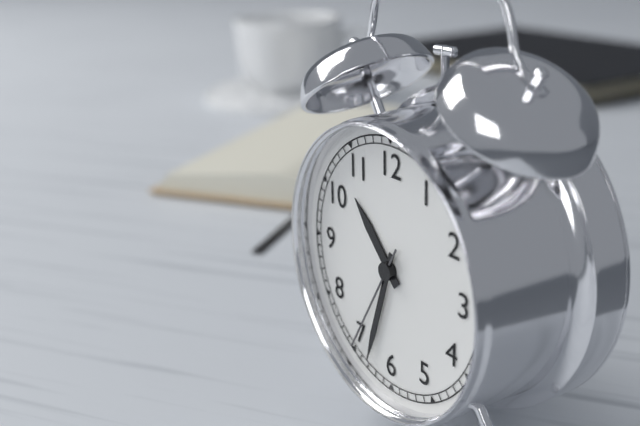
10,33,35
